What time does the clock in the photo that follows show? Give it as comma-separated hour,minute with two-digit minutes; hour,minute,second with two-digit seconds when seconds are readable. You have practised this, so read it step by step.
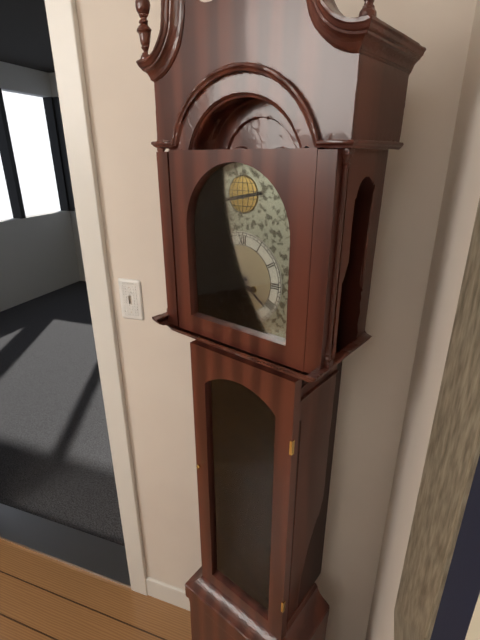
8,21
